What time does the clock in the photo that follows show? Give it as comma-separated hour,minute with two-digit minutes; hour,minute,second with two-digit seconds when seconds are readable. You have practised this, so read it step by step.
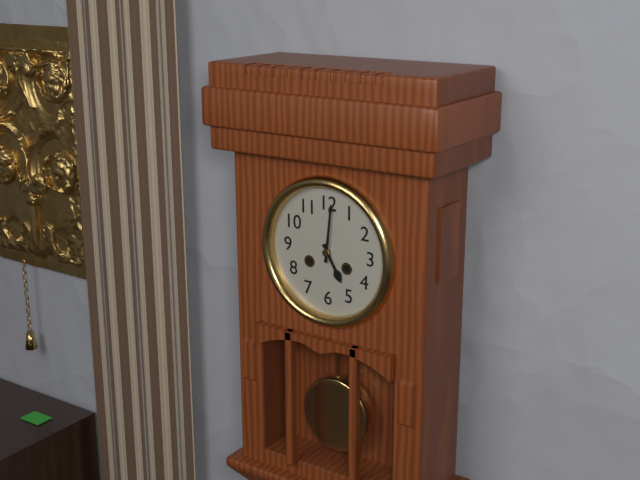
5,01
